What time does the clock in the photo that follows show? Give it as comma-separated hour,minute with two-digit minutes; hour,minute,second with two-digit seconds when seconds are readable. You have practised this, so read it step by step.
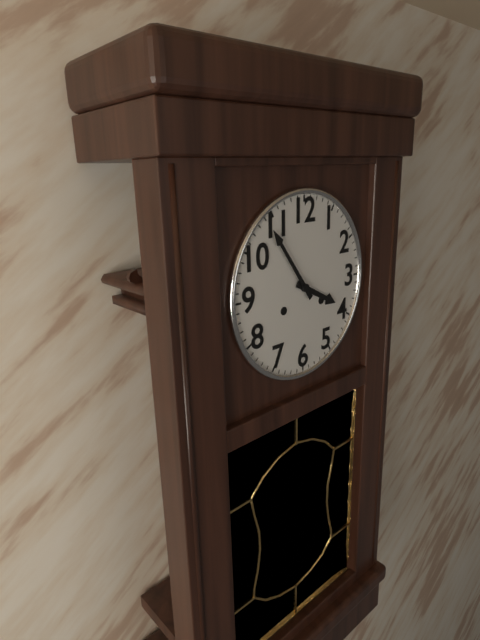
3,54
